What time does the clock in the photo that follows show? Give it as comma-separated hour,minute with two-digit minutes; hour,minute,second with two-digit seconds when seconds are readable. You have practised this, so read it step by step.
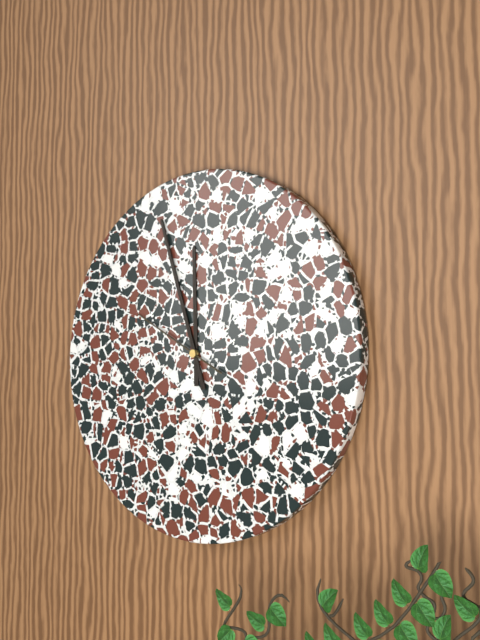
11,57,50
